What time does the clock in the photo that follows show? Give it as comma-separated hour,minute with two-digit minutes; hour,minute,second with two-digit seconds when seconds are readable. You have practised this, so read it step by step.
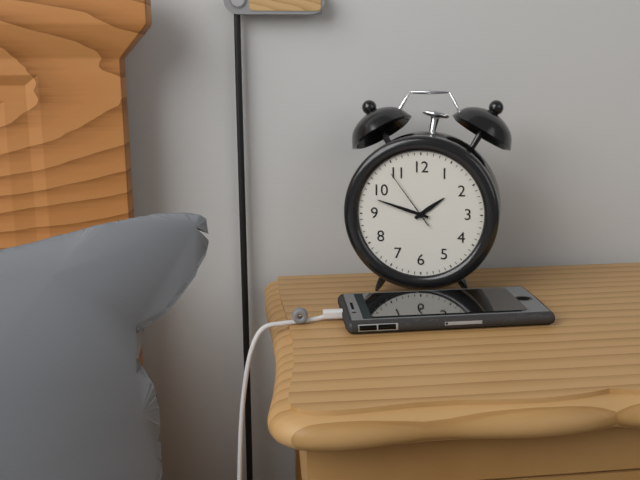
1,48,54
